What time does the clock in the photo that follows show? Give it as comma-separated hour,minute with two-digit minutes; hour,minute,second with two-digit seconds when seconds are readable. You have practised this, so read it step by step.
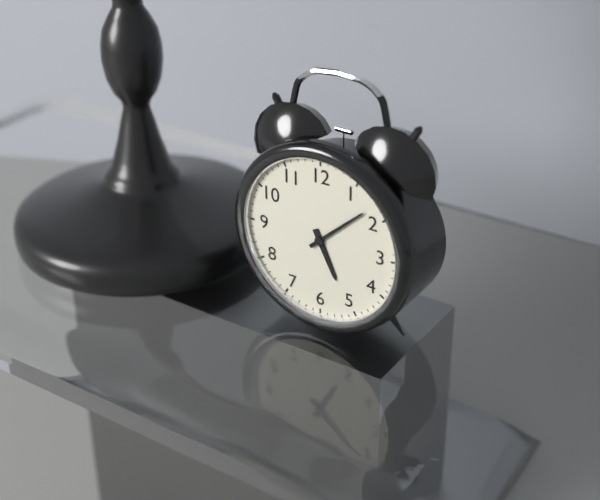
5,08
